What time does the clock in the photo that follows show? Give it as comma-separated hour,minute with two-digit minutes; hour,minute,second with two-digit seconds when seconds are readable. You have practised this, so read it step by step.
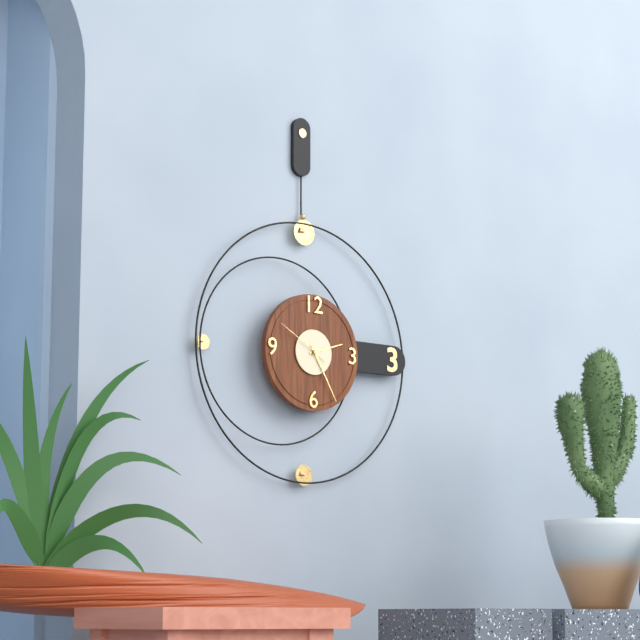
2,25,50
